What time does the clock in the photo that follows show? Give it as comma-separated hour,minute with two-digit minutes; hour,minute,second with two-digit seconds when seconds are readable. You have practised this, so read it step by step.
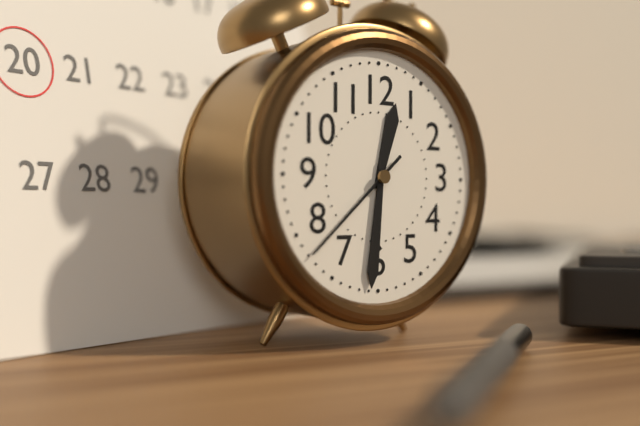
12,31,38
